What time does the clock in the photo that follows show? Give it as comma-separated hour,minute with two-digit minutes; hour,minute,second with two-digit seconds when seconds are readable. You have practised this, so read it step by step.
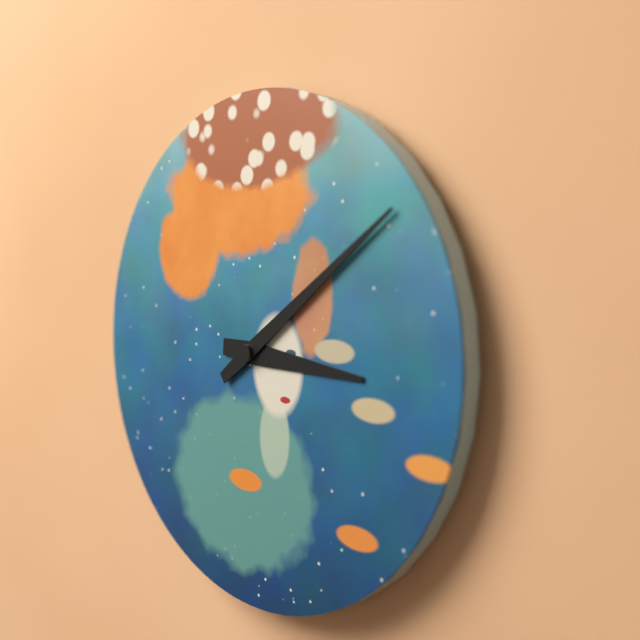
3,09
